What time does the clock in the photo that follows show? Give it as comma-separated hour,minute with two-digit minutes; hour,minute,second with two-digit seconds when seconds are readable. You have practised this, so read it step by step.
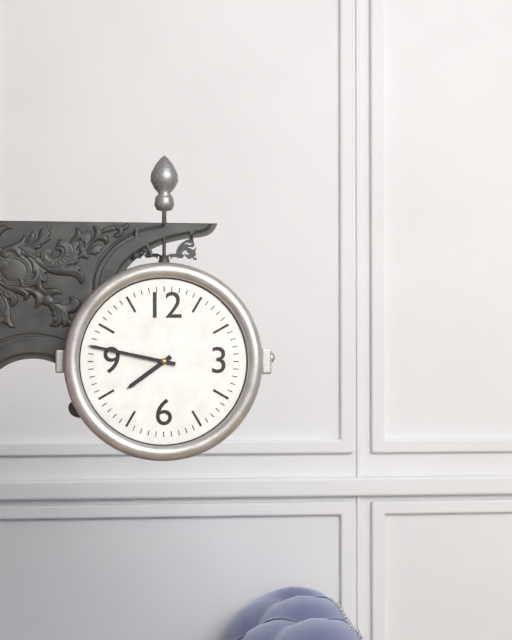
7,47
